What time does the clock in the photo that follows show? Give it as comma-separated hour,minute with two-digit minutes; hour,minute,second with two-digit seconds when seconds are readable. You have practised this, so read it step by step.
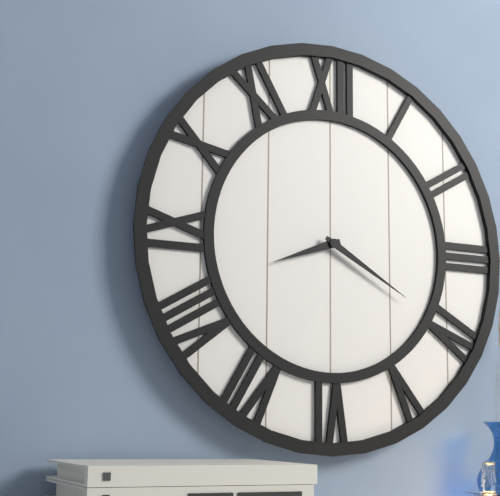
8,20
